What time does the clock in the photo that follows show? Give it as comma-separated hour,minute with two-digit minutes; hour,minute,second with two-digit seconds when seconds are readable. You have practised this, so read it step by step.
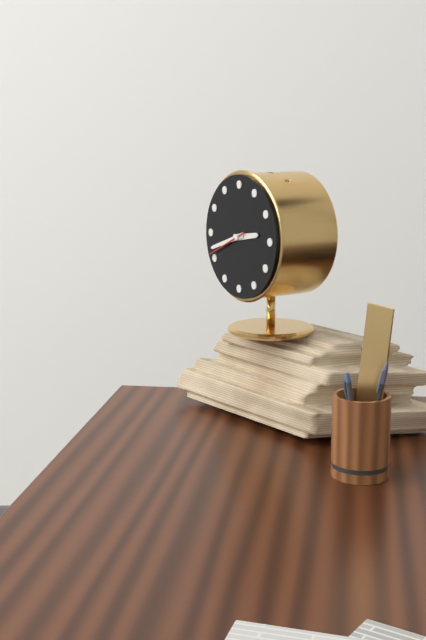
2,42
